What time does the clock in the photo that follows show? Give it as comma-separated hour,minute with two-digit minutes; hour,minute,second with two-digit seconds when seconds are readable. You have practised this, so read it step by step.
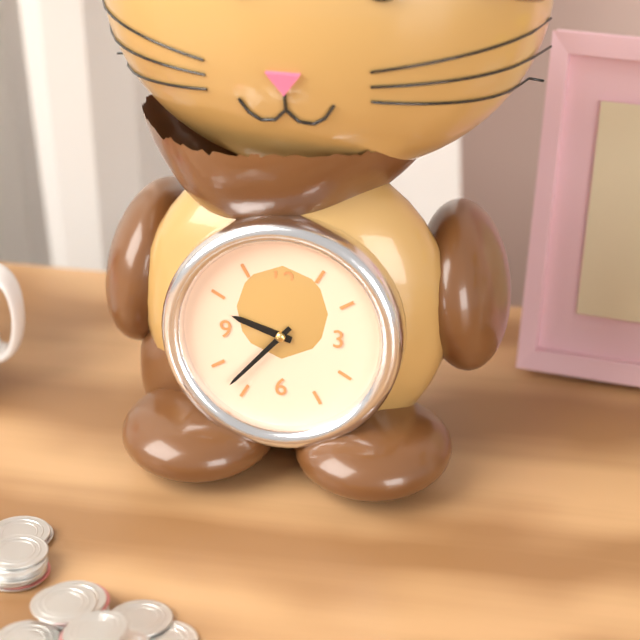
9,37
